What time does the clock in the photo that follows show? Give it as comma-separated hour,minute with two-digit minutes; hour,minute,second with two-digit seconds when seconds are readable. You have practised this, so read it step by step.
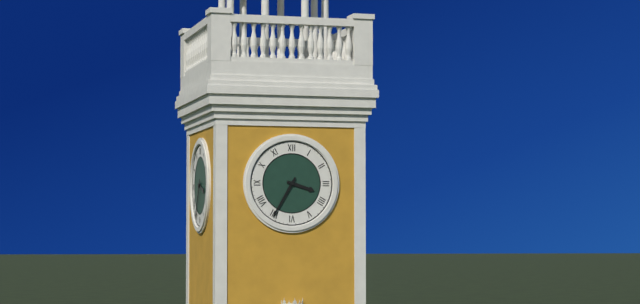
3,35
